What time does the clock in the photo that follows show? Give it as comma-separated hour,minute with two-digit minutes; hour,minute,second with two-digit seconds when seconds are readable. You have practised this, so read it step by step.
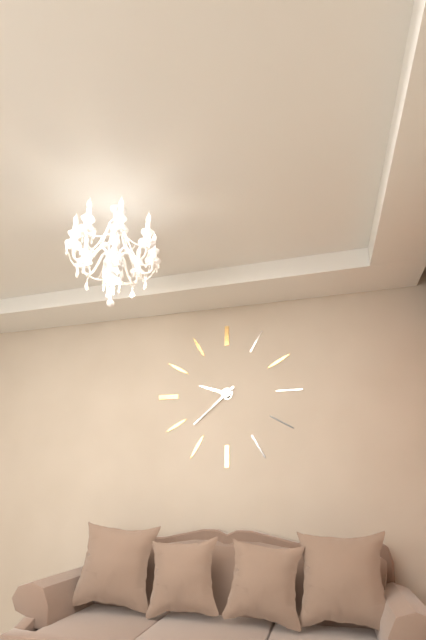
9,38
